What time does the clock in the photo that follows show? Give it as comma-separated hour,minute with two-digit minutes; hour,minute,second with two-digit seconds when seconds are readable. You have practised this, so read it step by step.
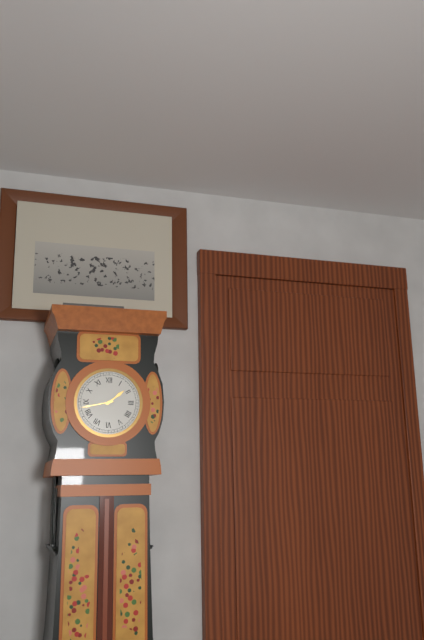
1,43
